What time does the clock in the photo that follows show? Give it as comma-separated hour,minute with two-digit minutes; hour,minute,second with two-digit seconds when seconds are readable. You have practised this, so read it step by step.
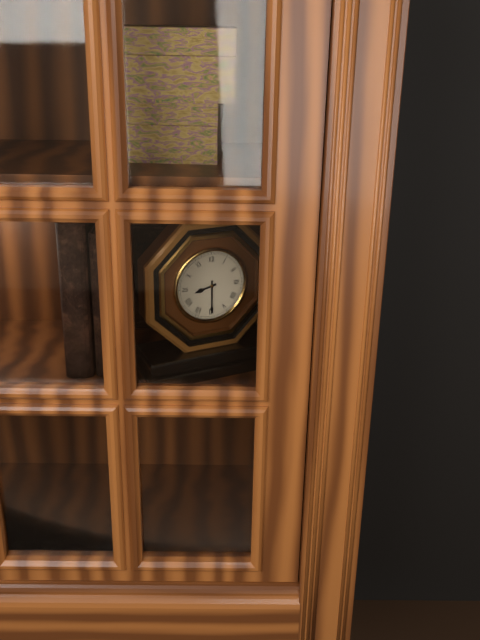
8,30
